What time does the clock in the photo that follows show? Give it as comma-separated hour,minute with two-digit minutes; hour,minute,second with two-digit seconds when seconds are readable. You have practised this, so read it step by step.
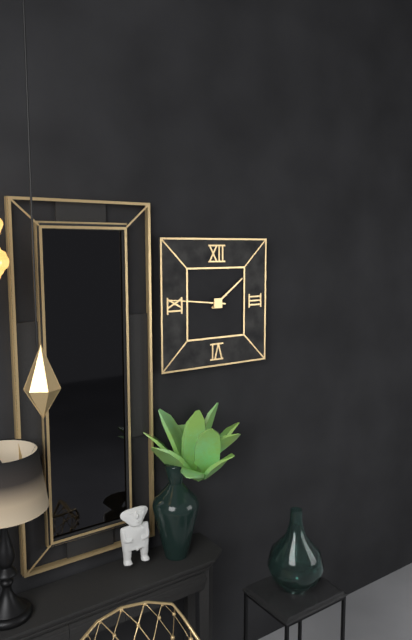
1,46
